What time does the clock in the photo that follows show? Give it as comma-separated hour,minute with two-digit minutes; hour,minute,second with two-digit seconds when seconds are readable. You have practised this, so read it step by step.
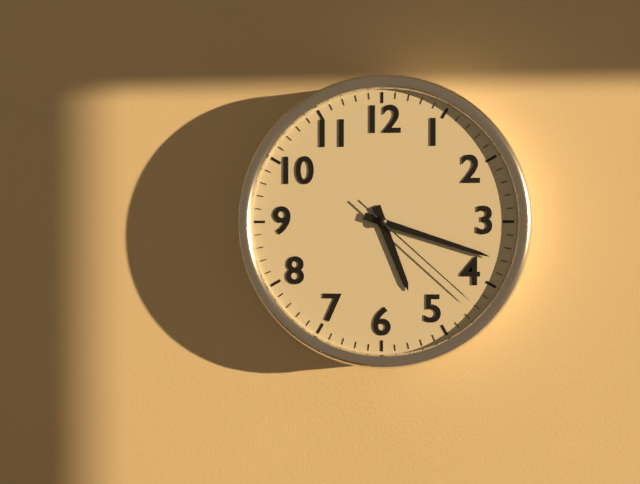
5,18,22
